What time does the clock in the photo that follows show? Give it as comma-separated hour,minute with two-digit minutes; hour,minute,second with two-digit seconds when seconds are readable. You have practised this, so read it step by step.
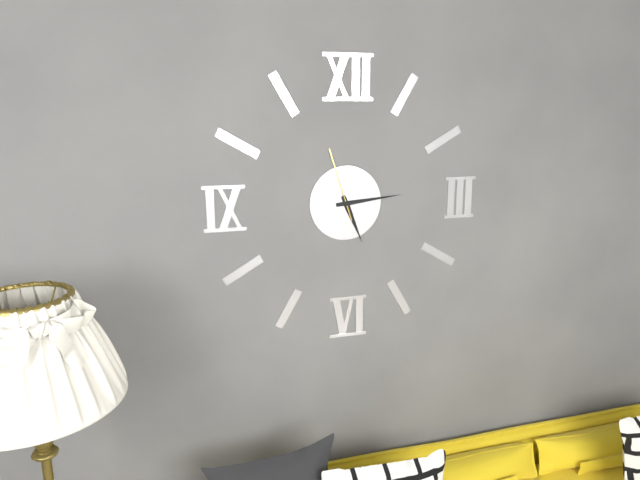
5,14,57
